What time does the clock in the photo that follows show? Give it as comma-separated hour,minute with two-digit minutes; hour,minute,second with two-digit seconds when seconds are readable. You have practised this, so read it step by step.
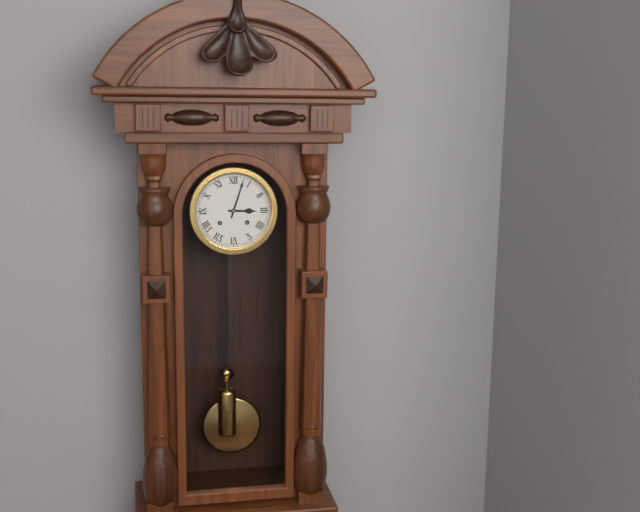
3,03
